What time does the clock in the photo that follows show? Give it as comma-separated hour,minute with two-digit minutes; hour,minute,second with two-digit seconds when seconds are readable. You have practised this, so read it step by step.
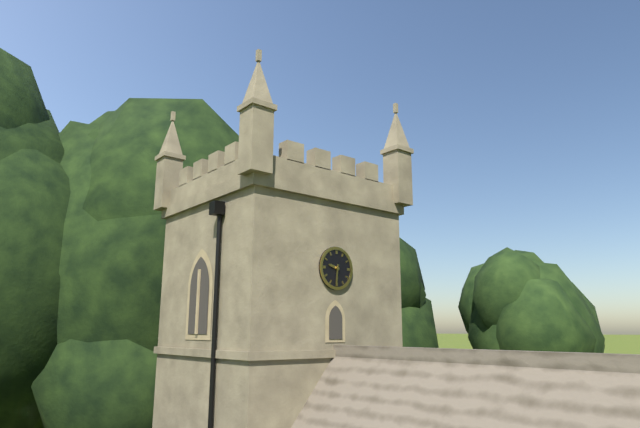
9,31
